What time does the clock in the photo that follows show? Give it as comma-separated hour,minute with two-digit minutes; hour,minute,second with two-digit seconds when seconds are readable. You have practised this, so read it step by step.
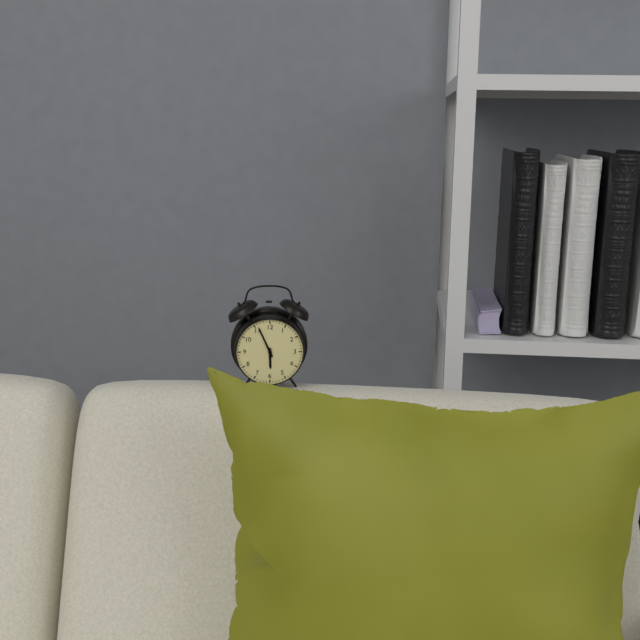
5,56
